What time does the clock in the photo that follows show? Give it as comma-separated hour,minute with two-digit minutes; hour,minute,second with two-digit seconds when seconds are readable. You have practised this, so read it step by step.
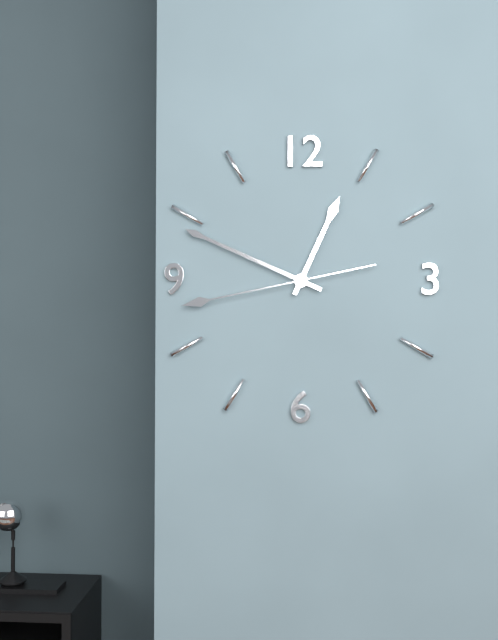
12,49,43
